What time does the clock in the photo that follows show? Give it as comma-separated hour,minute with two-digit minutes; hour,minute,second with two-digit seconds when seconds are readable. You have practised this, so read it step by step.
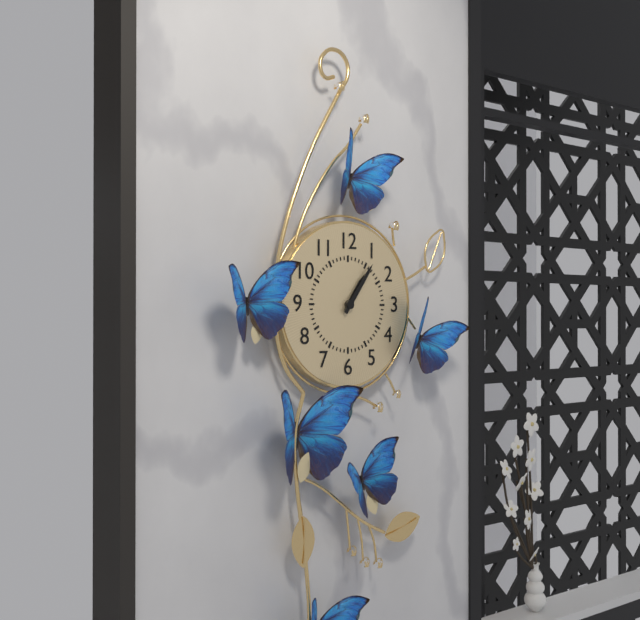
1,06
